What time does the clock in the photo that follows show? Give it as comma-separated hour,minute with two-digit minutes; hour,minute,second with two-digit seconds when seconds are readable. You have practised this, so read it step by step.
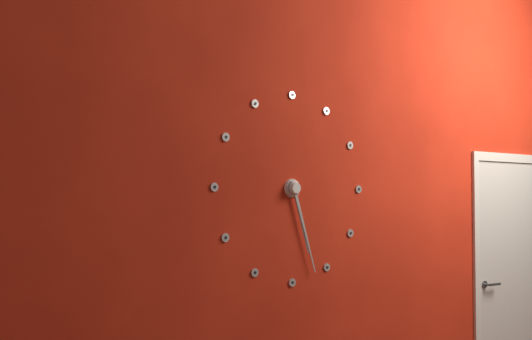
5,27
